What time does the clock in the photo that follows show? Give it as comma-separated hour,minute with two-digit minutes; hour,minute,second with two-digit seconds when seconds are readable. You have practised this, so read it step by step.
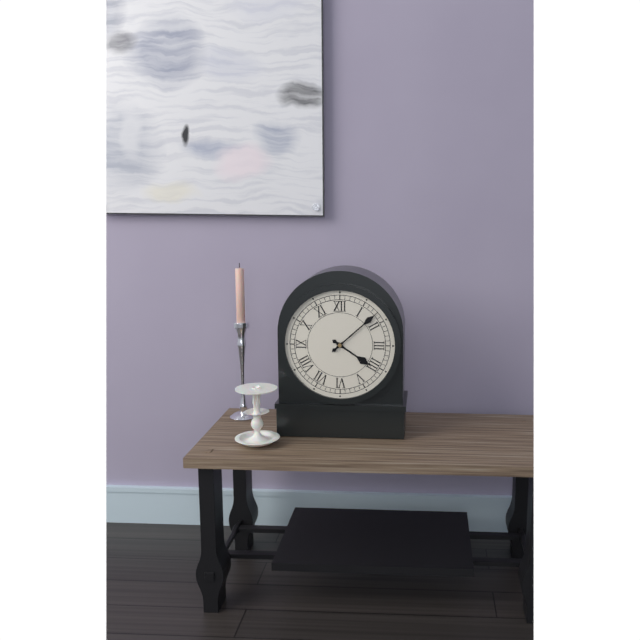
4,08
